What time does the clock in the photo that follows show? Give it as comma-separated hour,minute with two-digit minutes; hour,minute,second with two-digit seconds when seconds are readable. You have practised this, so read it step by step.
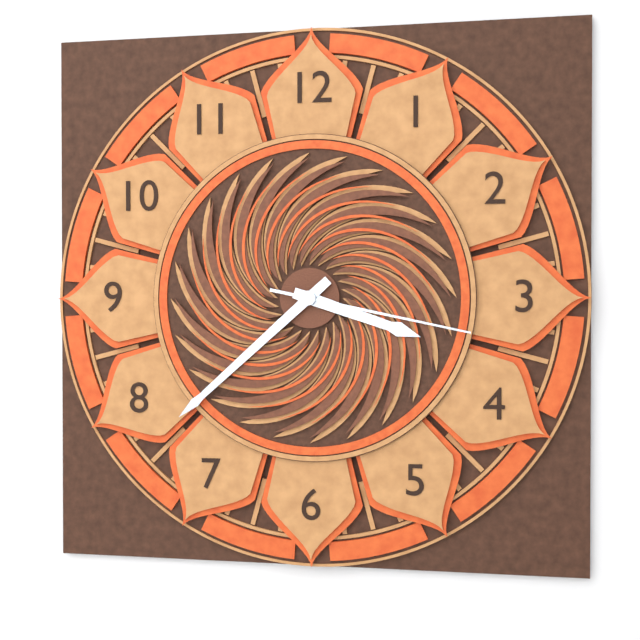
3,38,17
